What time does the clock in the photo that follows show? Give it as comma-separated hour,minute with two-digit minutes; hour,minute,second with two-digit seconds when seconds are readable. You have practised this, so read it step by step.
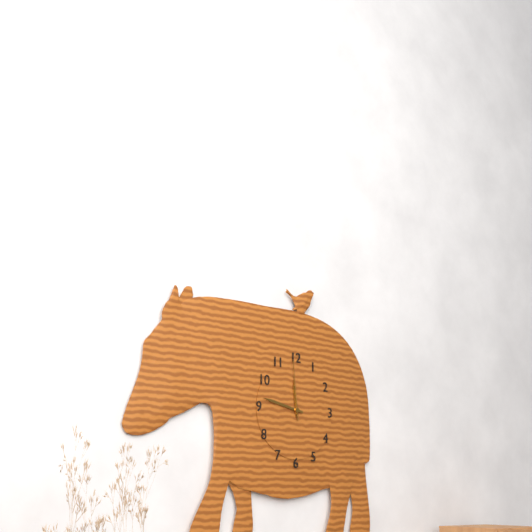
11,47,59
